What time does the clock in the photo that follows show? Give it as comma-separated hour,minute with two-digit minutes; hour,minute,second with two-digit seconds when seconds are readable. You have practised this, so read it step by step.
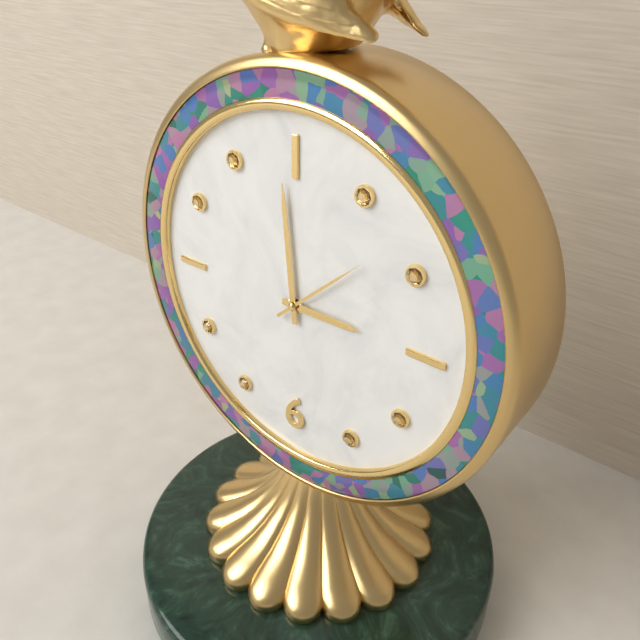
2,59,08
